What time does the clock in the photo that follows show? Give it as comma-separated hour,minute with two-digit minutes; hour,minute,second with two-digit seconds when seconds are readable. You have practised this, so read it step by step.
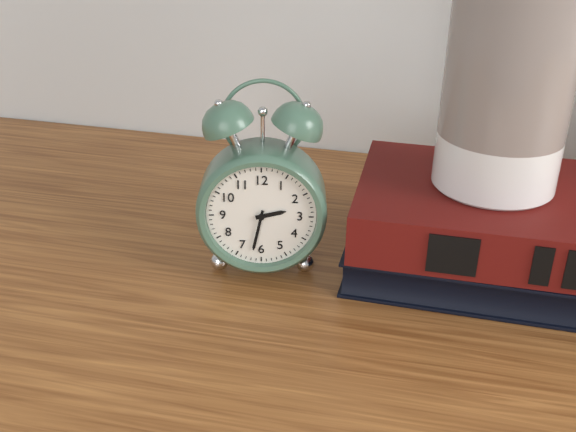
2,32
